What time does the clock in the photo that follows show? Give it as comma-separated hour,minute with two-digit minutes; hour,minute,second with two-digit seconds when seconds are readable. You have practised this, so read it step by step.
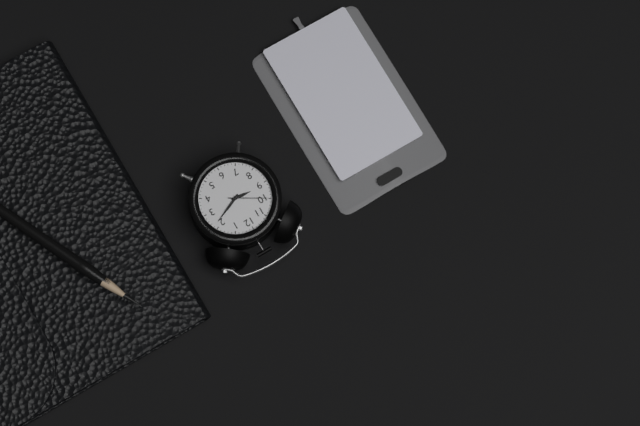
9,11
